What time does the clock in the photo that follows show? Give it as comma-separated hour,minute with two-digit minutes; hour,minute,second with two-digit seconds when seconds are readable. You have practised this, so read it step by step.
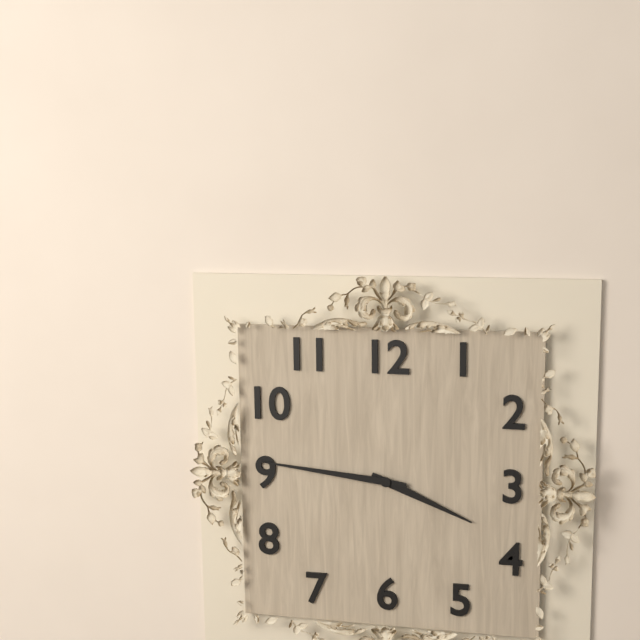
3,46
